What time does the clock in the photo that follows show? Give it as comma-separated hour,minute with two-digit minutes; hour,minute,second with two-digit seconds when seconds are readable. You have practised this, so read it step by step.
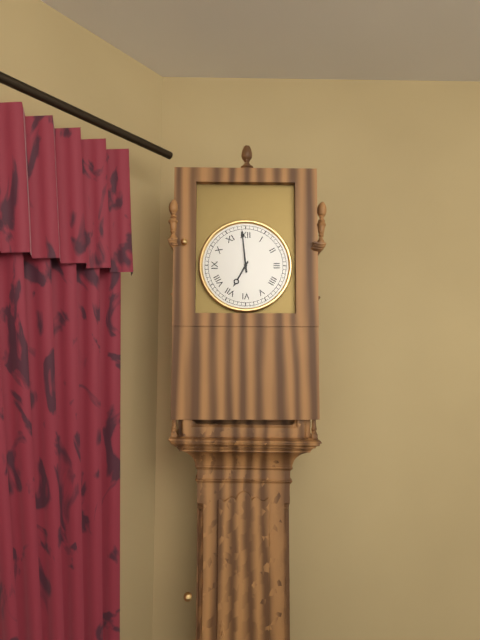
6,59
